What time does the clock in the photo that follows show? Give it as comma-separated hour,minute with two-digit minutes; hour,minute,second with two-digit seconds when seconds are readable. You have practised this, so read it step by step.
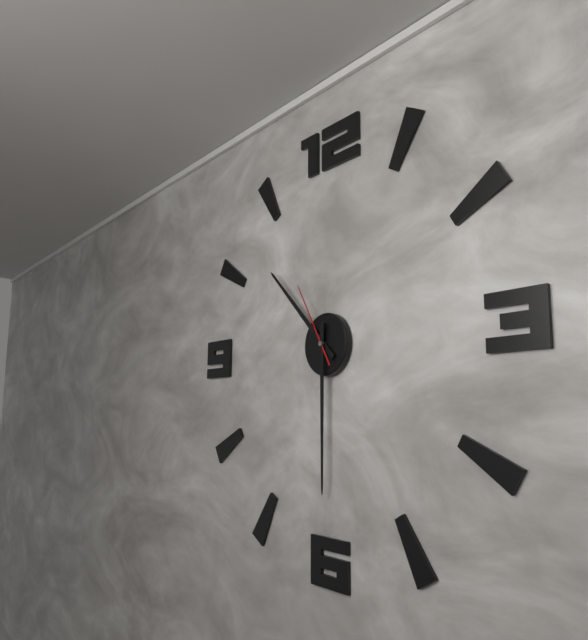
10,30,55
